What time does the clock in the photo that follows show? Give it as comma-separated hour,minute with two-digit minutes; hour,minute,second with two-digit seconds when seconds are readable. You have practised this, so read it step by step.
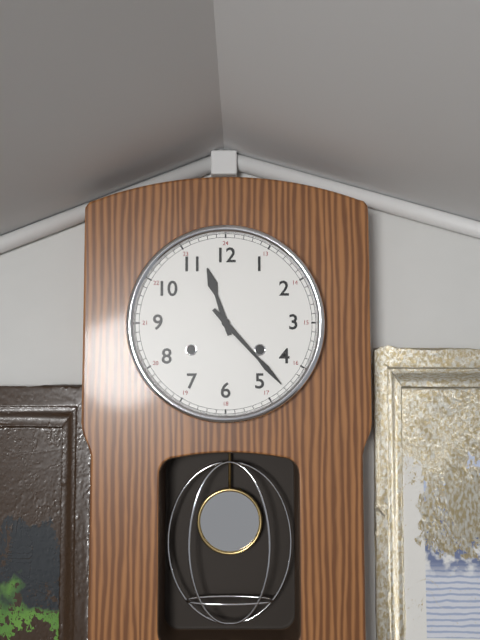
11,23
